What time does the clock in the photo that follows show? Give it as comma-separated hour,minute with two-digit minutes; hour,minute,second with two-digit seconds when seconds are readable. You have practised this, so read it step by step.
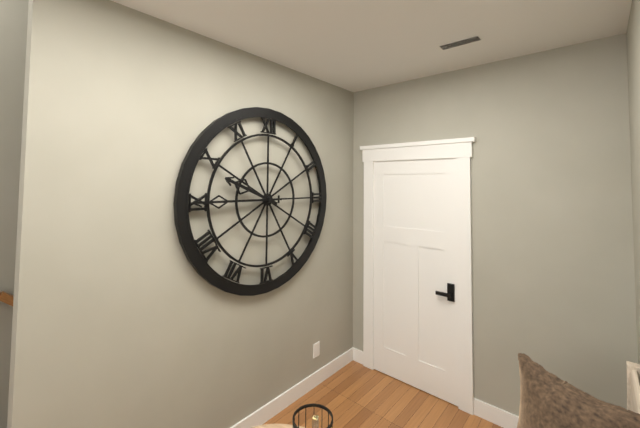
9,45
